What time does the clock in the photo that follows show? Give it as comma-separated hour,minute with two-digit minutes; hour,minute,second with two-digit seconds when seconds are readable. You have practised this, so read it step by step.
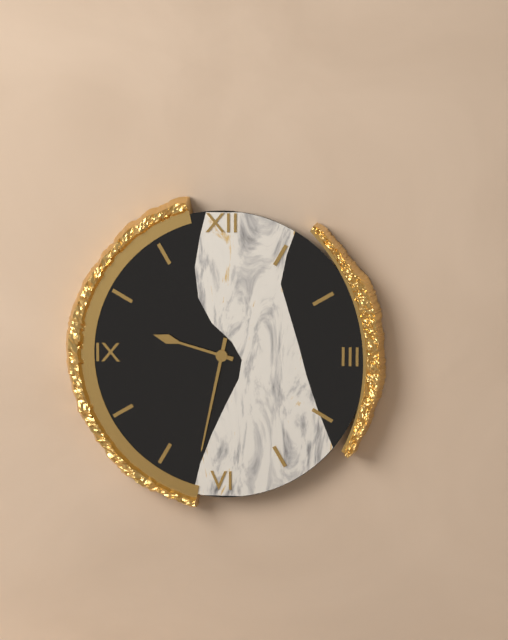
9,32
